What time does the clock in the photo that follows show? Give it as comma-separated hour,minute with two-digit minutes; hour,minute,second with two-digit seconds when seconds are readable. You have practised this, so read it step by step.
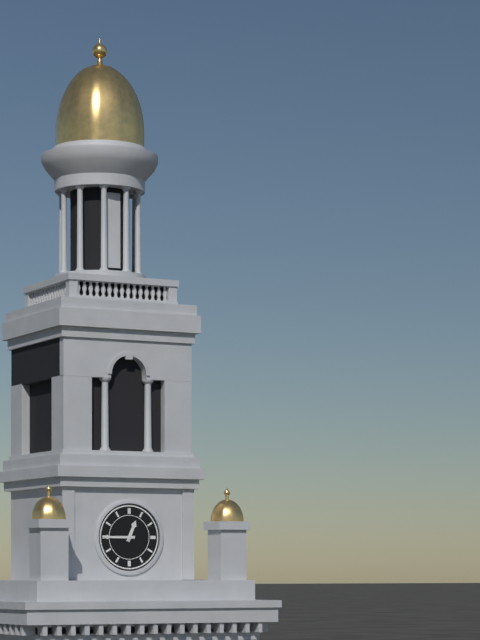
12,45
